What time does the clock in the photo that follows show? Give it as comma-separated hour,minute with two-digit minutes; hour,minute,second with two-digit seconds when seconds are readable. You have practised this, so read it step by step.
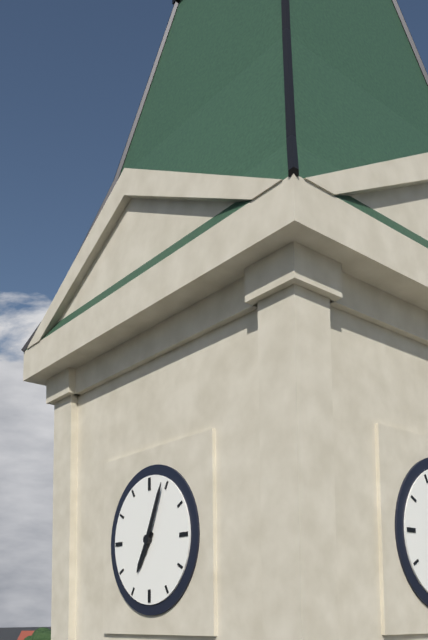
7,04
